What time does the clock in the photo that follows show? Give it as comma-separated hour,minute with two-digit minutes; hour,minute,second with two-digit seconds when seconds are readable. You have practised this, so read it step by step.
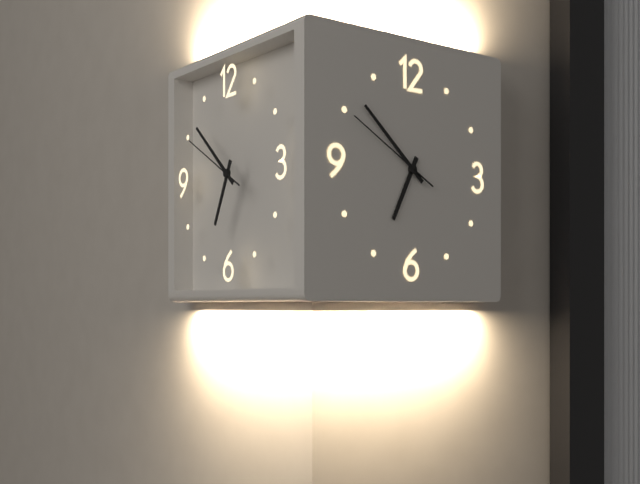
6,52,50
